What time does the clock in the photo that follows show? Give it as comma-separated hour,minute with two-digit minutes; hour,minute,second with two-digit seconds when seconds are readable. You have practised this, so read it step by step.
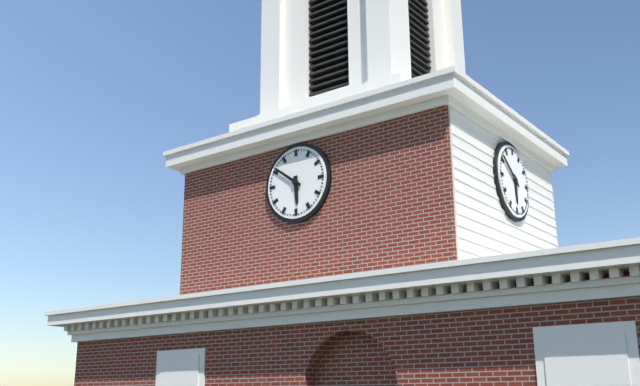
5,51
